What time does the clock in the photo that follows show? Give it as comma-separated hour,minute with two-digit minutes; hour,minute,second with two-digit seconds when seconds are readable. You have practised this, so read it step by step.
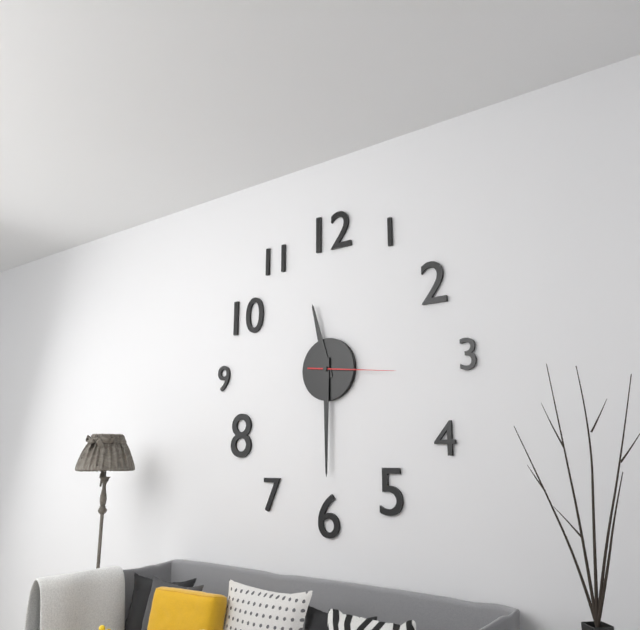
11,30,16
